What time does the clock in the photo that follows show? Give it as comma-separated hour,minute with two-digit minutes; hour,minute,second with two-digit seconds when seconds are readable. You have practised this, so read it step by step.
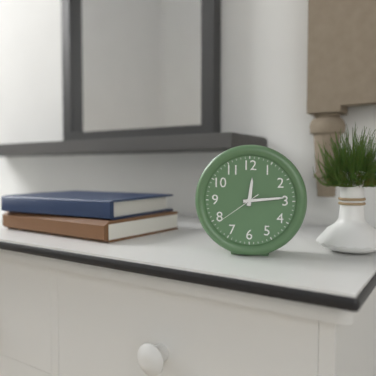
12,14,39
